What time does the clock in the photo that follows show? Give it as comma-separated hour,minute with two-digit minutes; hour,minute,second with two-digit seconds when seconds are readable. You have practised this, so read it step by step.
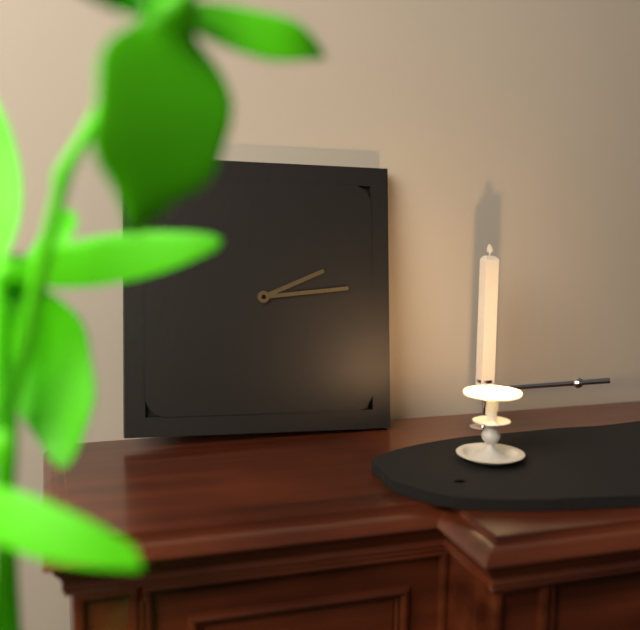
2,14
